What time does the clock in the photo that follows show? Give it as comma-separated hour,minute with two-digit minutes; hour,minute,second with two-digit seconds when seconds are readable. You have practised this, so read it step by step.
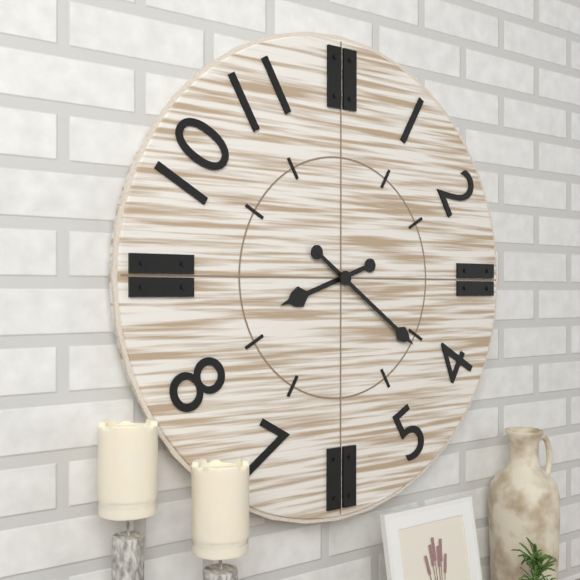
8,21
